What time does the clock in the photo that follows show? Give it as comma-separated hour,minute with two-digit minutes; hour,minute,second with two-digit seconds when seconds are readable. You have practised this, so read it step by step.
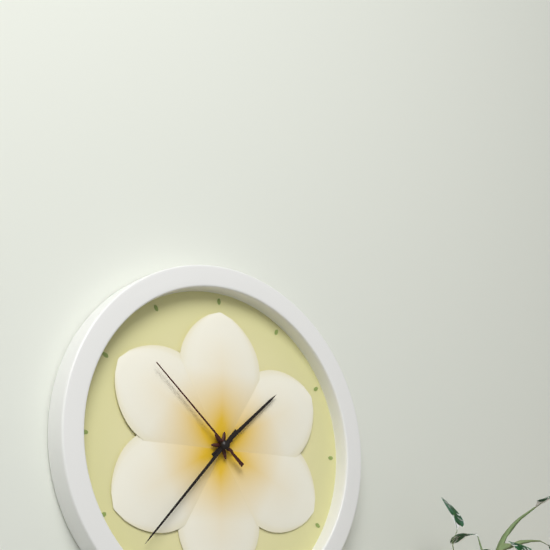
1,37,52
